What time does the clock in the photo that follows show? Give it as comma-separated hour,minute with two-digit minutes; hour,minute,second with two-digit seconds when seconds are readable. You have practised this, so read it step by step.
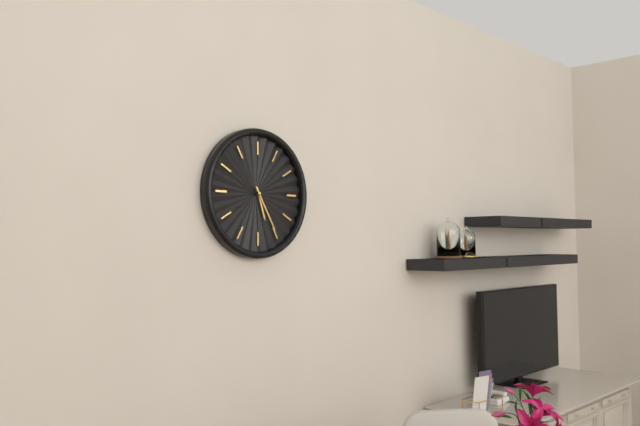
5,25
